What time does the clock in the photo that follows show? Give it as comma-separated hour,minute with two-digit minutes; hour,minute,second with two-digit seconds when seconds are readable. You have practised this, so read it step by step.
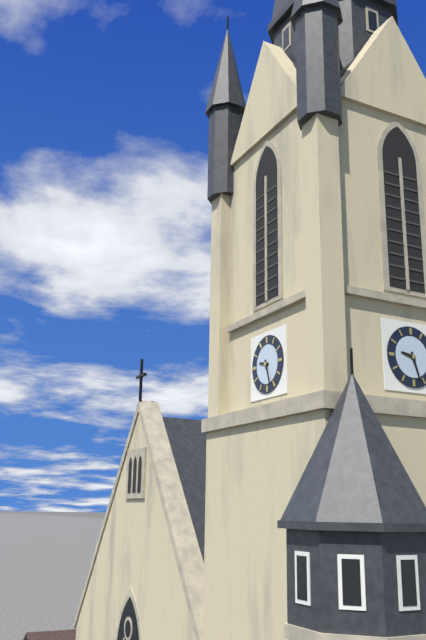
9,27
